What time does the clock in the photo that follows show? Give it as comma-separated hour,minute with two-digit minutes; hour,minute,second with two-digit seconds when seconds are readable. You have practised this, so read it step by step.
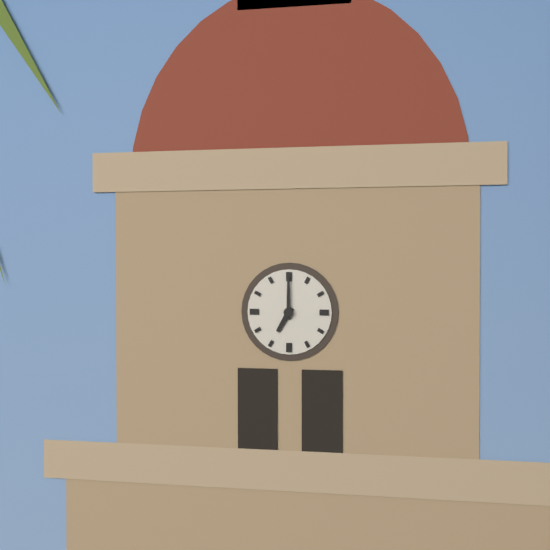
7,00
